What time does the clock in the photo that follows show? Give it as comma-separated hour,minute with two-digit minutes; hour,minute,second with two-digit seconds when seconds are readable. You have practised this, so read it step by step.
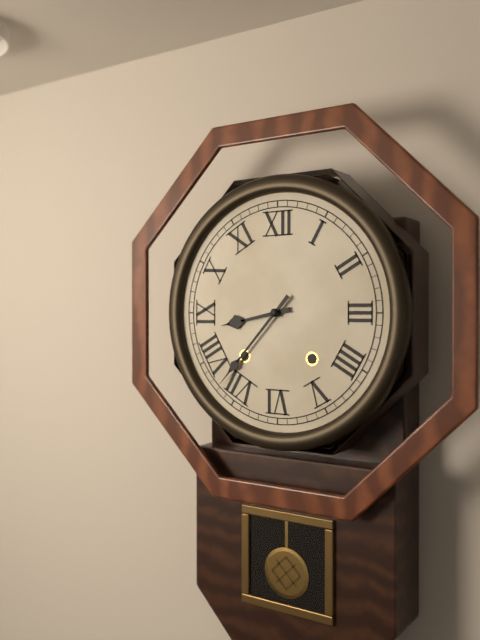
8,37
